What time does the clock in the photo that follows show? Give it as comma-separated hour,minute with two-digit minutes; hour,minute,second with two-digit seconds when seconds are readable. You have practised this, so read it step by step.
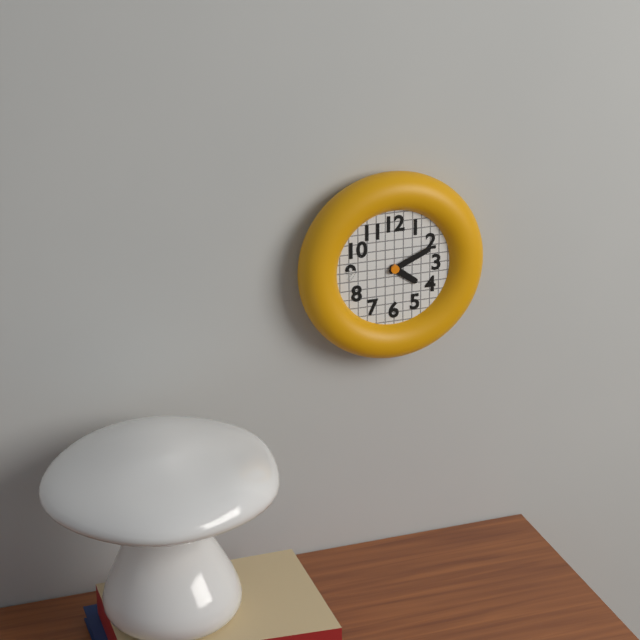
4,11
